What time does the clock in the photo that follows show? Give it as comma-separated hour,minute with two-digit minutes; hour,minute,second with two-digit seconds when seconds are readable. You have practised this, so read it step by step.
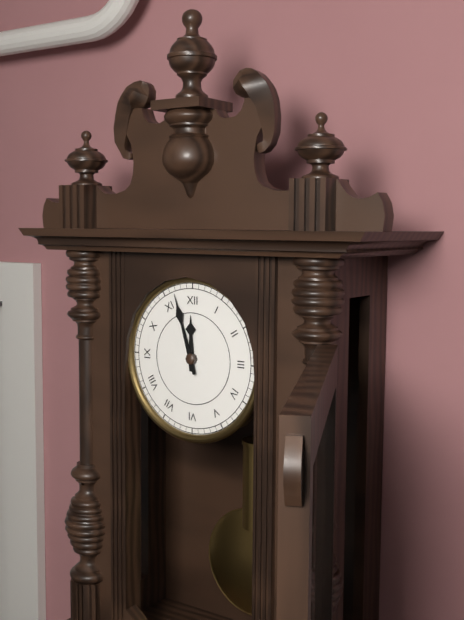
11,57
